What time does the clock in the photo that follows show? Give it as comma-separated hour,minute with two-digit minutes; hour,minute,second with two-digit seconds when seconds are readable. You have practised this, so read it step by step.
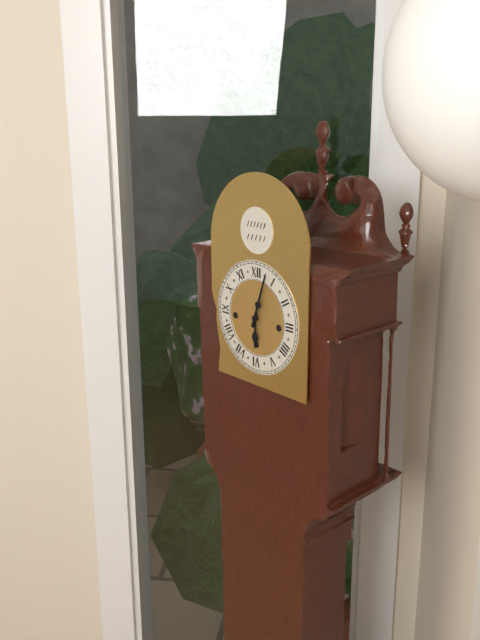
6,03
